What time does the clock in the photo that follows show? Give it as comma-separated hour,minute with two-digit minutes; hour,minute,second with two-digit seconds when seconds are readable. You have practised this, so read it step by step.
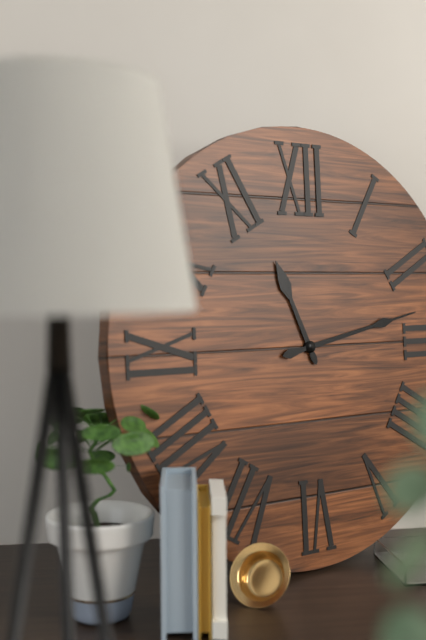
11,13
